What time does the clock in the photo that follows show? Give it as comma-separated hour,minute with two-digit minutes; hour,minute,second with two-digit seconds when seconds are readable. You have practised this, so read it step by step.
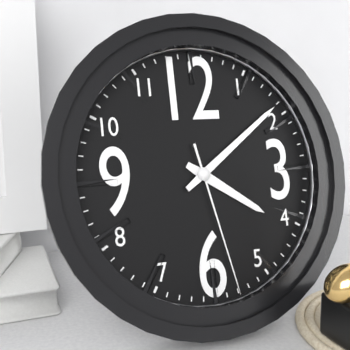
4,09,28
